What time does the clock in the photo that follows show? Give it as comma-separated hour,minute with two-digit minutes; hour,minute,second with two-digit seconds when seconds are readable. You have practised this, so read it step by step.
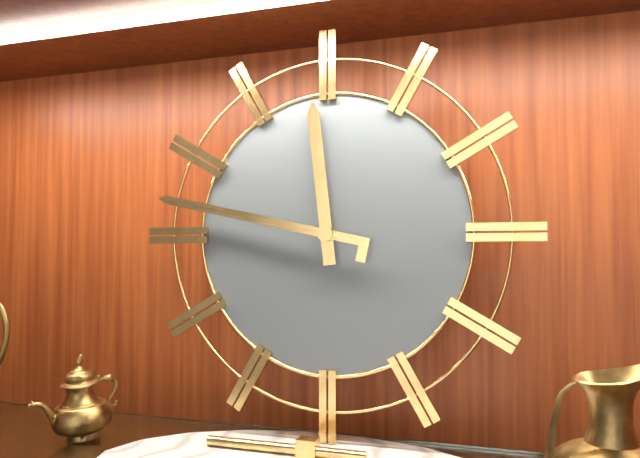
11,47
